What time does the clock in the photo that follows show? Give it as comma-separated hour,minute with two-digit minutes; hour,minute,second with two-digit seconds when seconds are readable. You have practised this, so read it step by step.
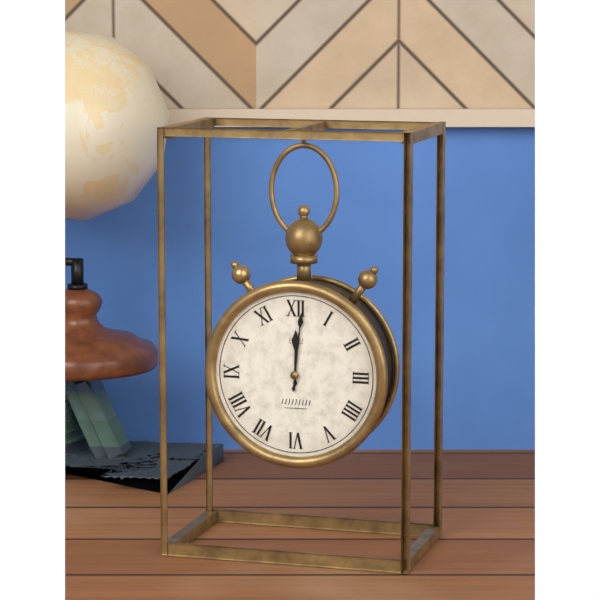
12,01
